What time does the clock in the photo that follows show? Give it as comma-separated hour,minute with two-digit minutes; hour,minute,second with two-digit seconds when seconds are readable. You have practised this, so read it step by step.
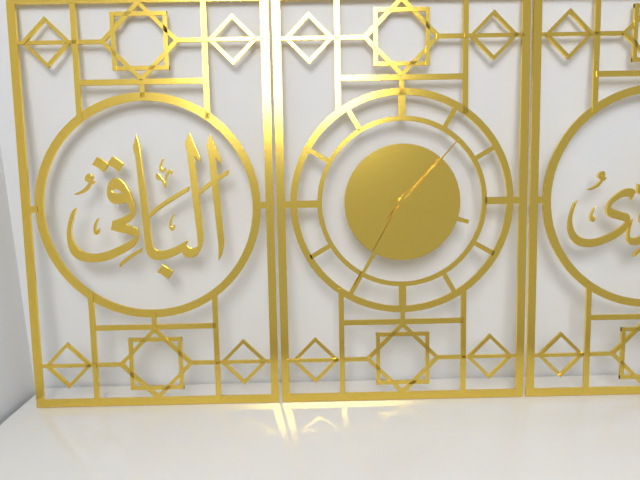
3,35,07
